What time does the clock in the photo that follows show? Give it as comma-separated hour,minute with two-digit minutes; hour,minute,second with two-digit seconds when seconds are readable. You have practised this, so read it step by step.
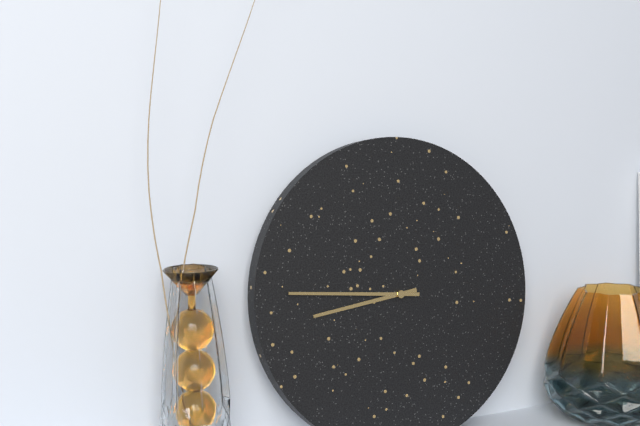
8,46
